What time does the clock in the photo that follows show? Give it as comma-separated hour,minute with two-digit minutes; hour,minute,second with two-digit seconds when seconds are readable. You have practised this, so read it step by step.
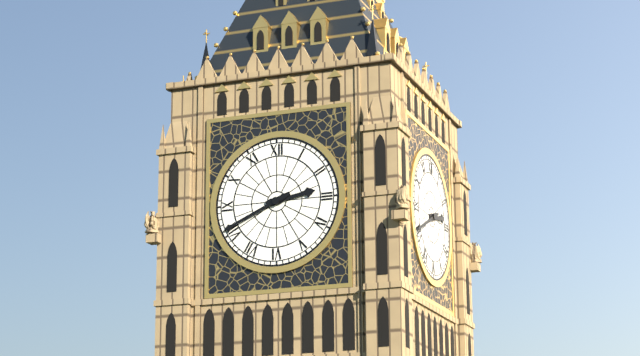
2,41
